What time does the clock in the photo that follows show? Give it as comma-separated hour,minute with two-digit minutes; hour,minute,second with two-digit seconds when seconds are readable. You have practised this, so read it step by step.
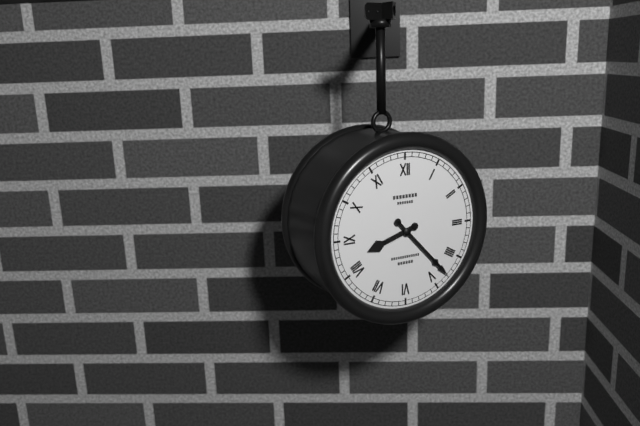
8,23
